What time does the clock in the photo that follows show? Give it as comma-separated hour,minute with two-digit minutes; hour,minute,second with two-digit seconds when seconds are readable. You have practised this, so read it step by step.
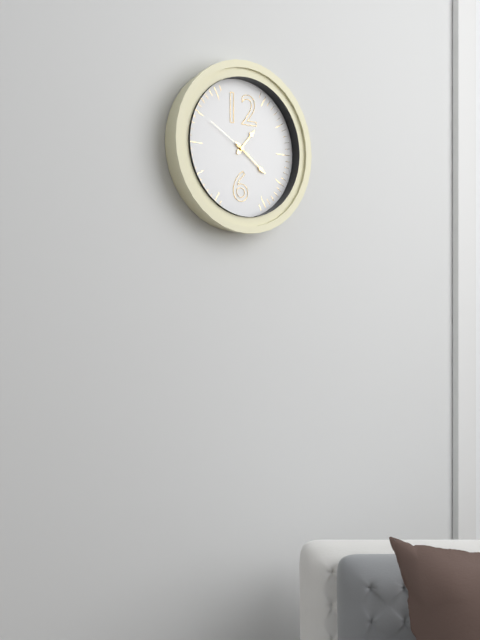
1,21,50
